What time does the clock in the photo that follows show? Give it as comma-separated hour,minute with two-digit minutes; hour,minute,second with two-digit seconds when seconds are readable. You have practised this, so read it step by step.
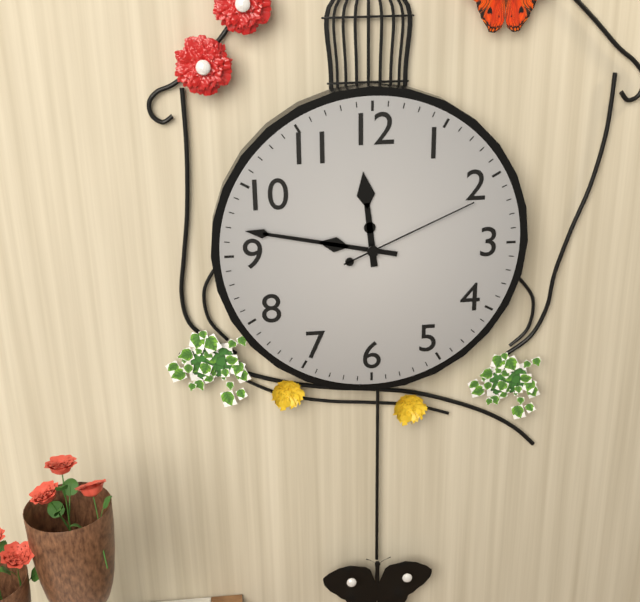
11,47,11
